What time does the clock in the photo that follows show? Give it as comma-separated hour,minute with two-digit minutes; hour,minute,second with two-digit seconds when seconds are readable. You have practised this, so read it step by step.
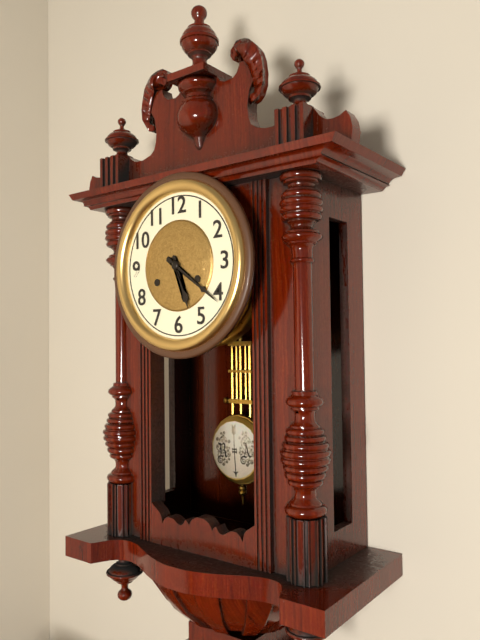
5,21
